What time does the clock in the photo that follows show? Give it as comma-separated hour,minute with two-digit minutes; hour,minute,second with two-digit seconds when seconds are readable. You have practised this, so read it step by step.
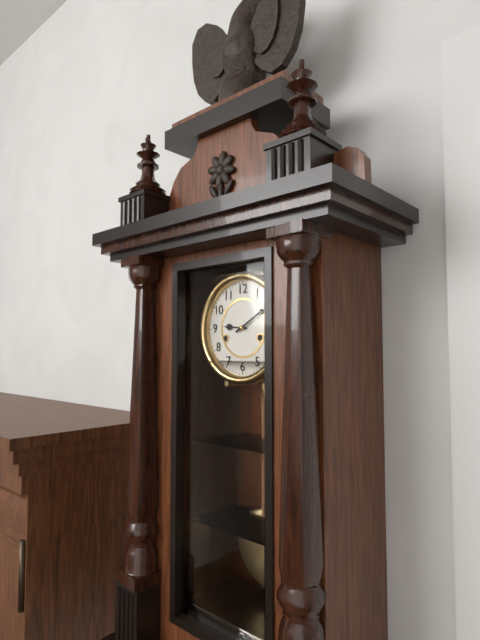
9,10
